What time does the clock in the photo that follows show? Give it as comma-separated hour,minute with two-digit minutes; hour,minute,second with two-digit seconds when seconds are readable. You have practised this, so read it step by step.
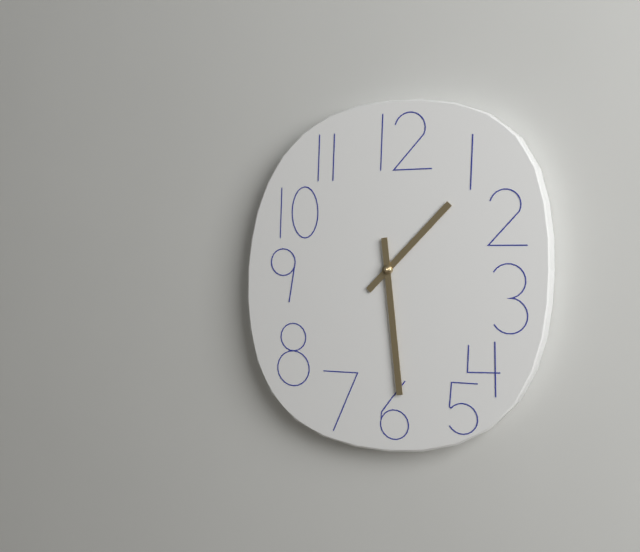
1,29
